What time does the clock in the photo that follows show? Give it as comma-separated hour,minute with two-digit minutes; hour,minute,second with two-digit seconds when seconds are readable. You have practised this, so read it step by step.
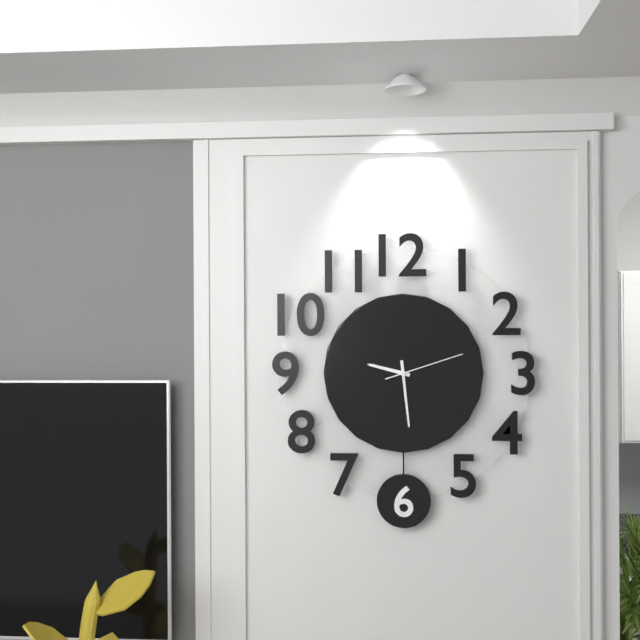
9,29,12
